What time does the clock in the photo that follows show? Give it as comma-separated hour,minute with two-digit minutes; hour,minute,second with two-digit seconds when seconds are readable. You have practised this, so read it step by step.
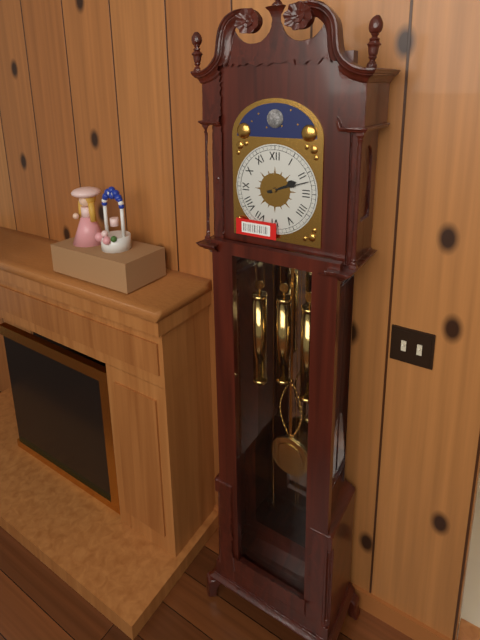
2,12
